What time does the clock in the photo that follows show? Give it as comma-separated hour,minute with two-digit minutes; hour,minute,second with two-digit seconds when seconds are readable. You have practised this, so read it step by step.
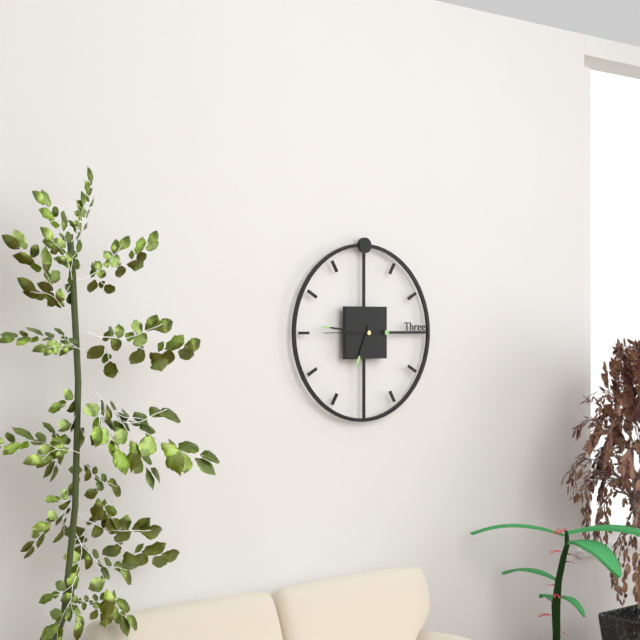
6,46,45
